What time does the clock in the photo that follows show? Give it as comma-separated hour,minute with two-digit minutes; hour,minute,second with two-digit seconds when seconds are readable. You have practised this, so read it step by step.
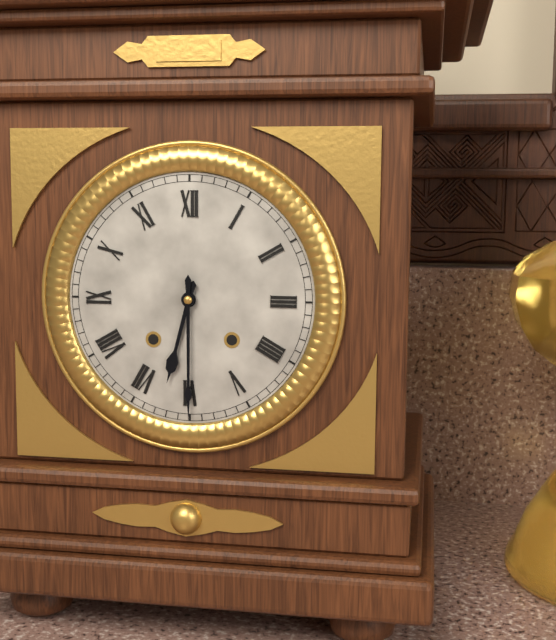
6,30
